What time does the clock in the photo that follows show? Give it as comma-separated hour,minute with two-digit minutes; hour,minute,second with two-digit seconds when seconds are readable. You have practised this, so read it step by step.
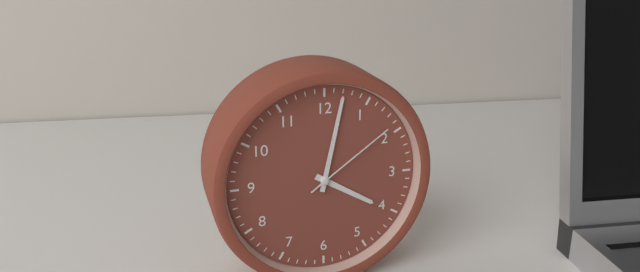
4,02,09
